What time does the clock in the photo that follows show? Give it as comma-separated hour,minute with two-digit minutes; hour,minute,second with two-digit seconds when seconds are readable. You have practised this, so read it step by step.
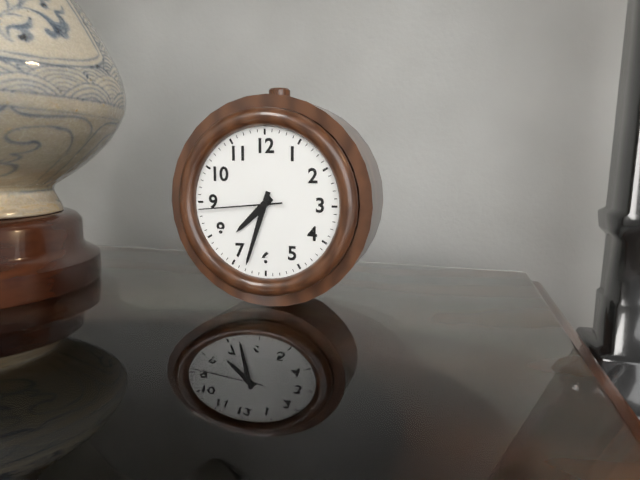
7,33,44
